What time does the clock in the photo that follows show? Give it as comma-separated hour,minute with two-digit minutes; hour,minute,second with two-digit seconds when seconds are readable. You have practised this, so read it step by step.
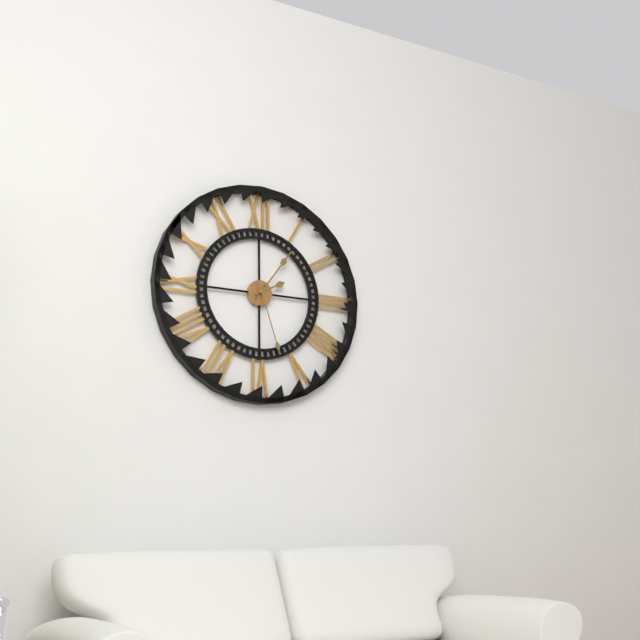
2,06,27
